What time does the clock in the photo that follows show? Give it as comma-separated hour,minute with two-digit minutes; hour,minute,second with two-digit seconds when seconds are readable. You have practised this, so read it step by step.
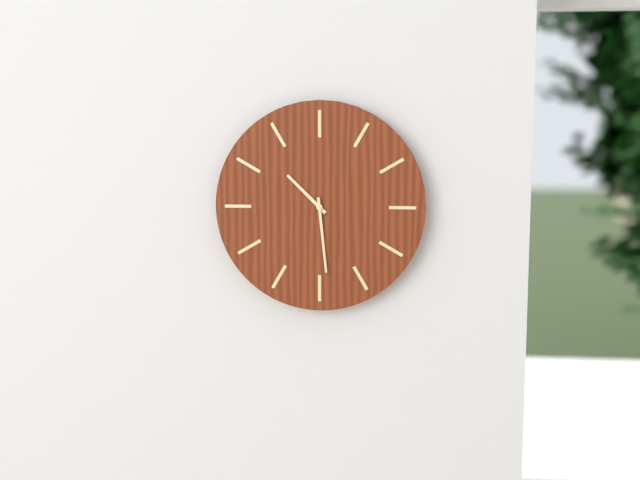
10,29
